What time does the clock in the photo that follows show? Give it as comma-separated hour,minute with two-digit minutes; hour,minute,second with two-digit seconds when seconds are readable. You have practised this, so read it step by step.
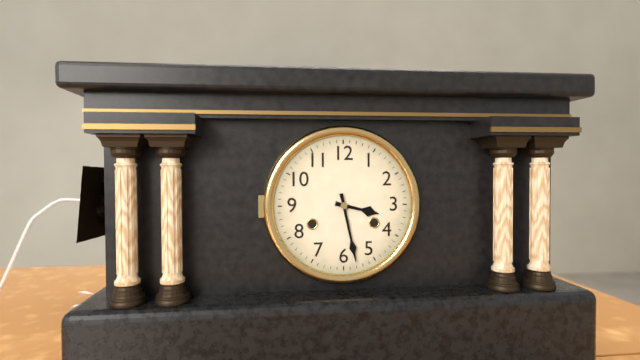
3,28
